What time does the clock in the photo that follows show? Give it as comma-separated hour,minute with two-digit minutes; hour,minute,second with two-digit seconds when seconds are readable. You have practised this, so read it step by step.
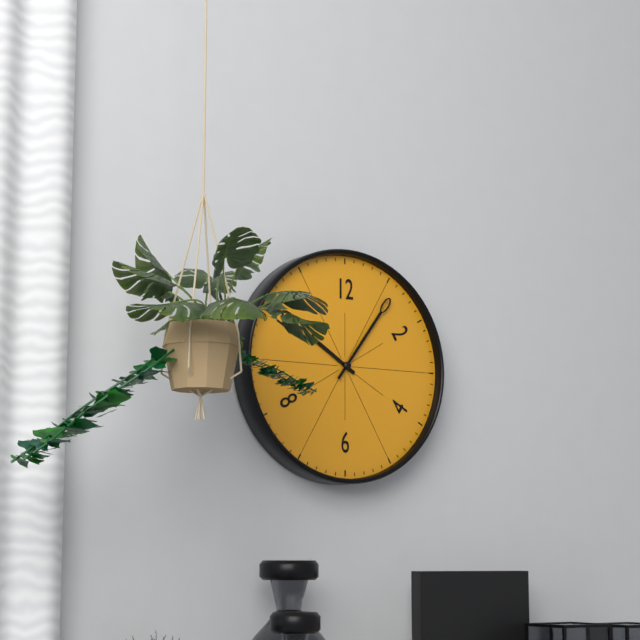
10,06
